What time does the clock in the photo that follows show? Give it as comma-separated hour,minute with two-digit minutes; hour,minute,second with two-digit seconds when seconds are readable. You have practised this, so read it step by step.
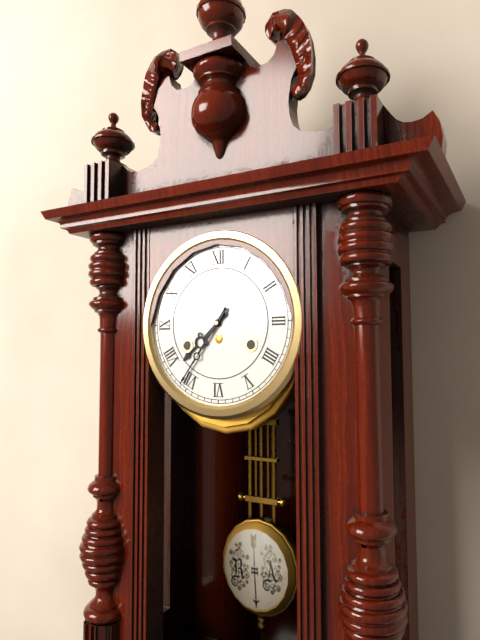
7,36
